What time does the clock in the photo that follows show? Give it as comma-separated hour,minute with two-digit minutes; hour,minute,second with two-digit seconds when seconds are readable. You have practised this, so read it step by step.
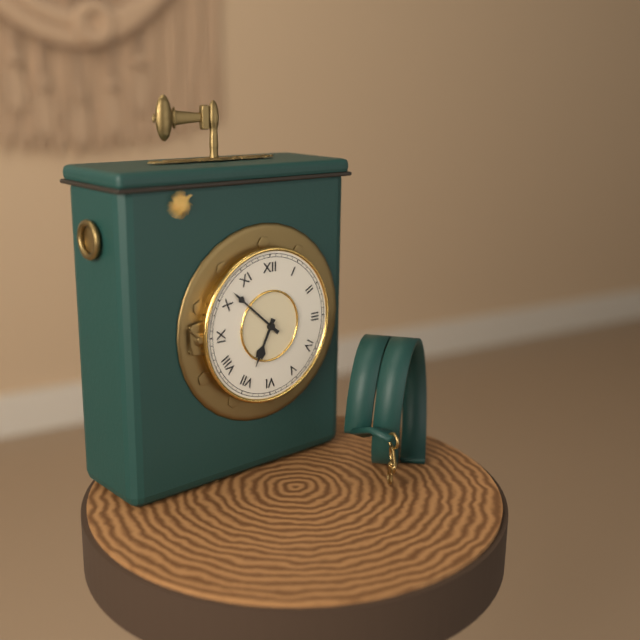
6,52
